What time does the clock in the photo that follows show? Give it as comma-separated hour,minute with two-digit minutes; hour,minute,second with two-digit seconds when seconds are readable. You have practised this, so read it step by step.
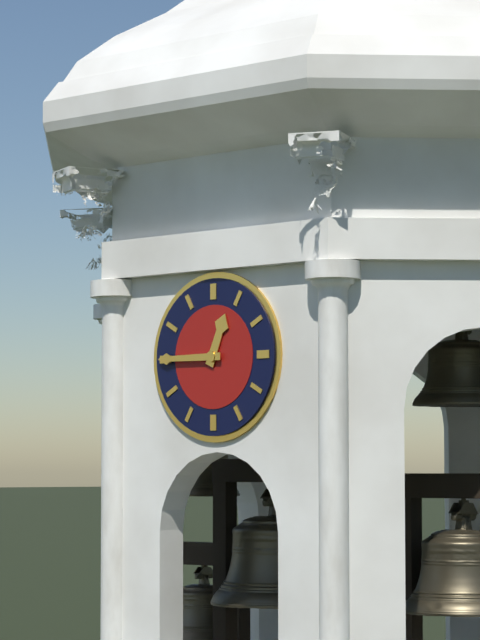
12,45
